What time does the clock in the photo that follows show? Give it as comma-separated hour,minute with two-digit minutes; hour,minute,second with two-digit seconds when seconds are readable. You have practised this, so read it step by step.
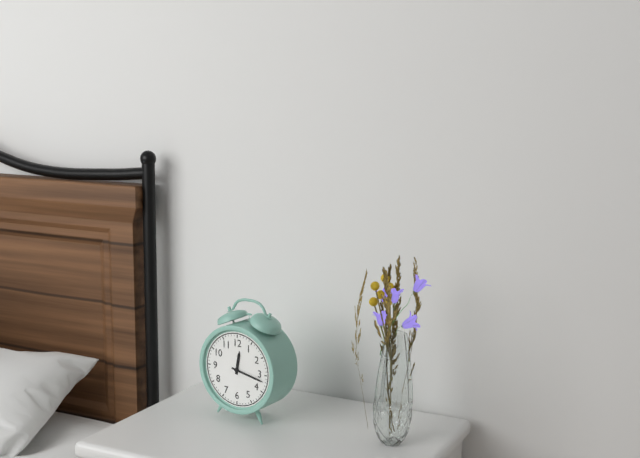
12,17
